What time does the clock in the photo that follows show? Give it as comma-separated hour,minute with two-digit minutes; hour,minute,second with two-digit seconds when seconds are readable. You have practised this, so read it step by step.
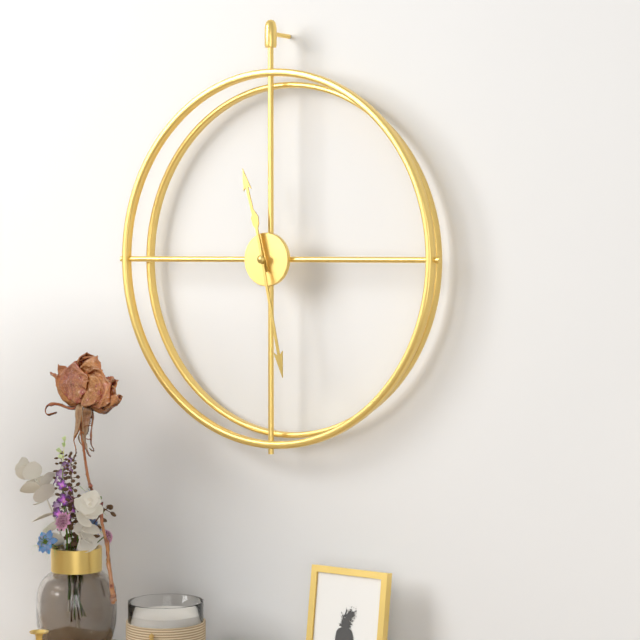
11,28
